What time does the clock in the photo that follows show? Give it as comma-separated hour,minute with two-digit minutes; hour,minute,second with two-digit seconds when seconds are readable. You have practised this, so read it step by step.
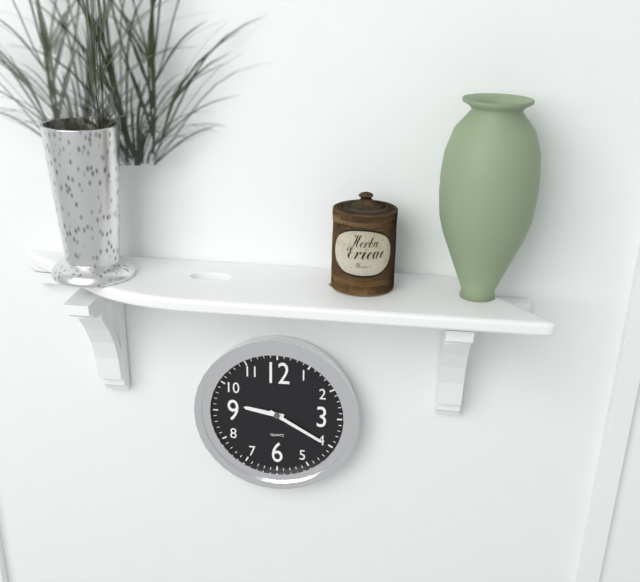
9,20
